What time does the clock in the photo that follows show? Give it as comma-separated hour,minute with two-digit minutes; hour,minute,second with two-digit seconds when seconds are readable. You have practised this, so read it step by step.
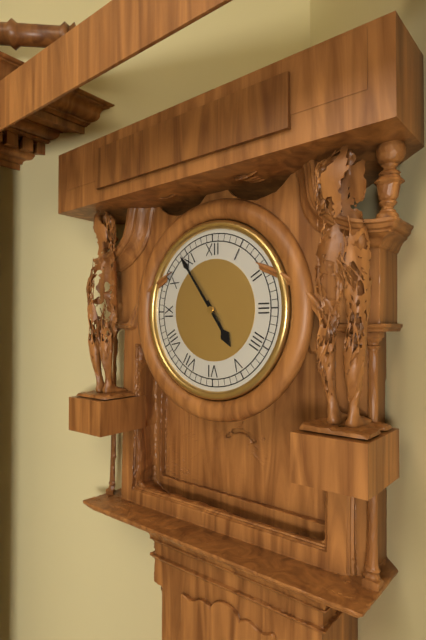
4,54
